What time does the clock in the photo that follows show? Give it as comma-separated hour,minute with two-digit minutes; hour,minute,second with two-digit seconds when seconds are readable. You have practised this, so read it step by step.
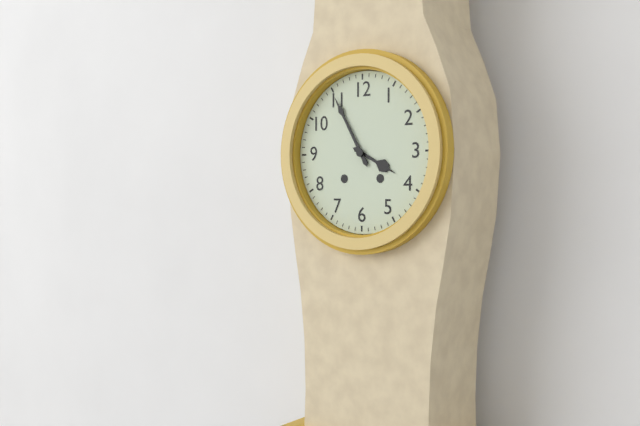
3,55
